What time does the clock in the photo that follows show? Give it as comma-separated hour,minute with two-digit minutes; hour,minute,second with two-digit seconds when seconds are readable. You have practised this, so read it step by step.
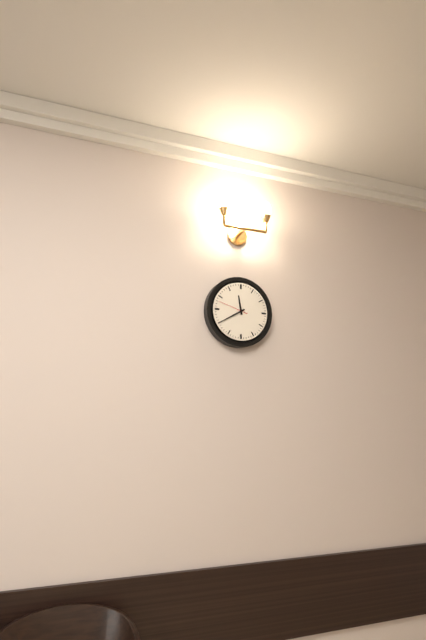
11,40
